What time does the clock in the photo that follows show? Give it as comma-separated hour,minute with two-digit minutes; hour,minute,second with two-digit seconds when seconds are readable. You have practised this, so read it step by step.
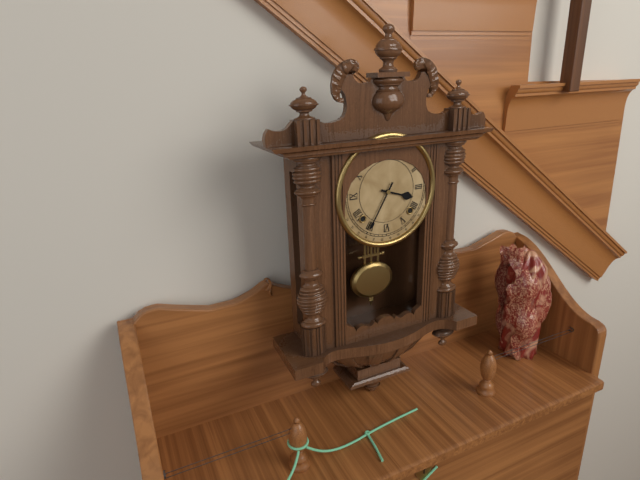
3,35
